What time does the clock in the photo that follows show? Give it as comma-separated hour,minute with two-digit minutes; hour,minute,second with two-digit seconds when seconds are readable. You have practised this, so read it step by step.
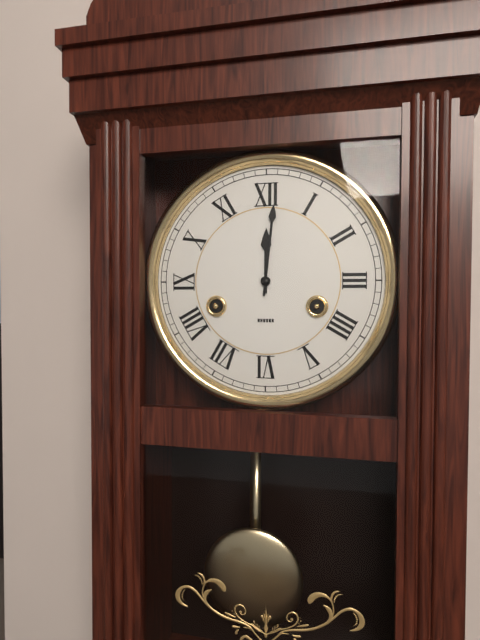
12,01
